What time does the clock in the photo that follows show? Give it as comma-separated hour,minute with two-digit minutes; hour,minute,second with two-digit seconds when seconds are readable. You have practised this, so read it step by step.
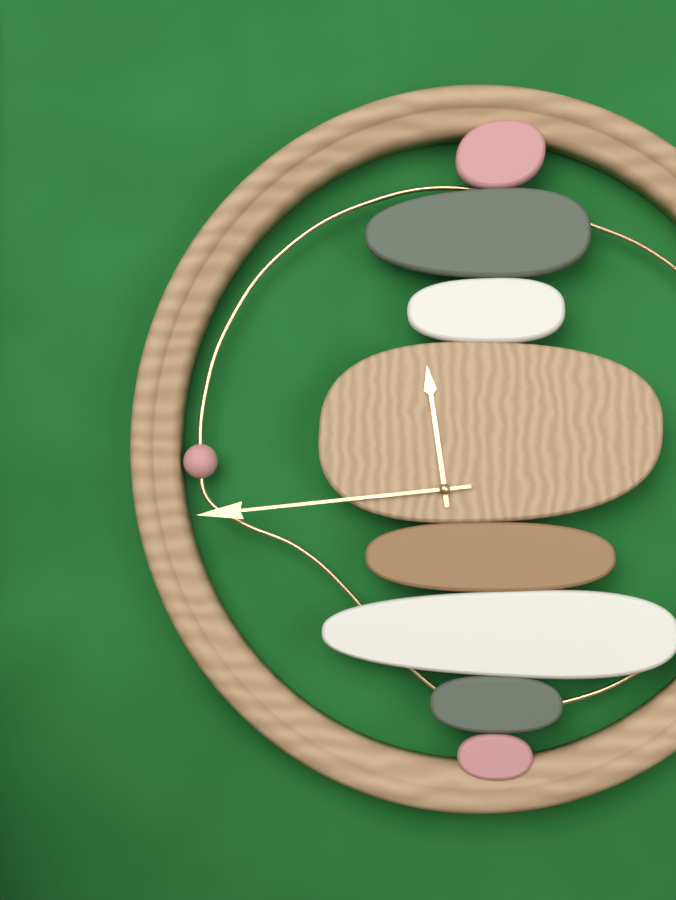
11,44
